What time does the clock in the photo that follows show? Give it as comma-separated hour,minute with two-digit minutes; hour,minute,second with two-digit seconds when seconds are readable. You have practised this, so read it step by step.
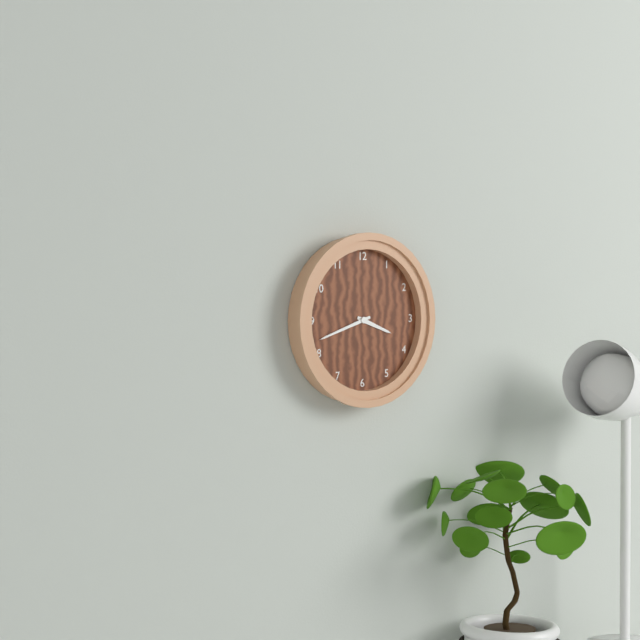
3,42
